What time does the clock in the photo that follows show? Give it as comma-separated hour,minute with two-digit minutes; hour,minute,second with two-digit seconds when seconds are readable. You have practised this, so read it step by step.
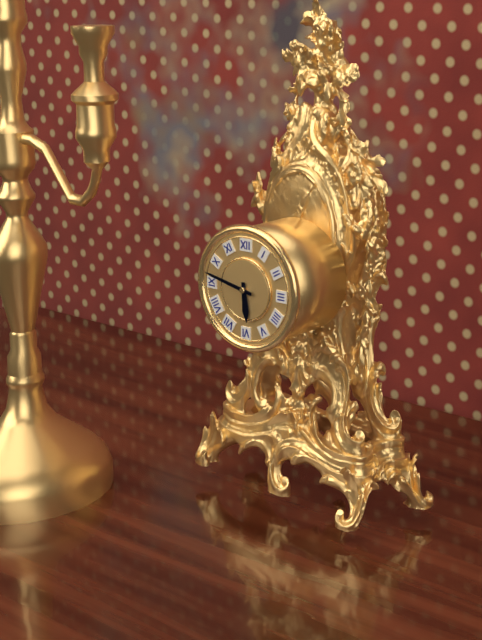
5,47
